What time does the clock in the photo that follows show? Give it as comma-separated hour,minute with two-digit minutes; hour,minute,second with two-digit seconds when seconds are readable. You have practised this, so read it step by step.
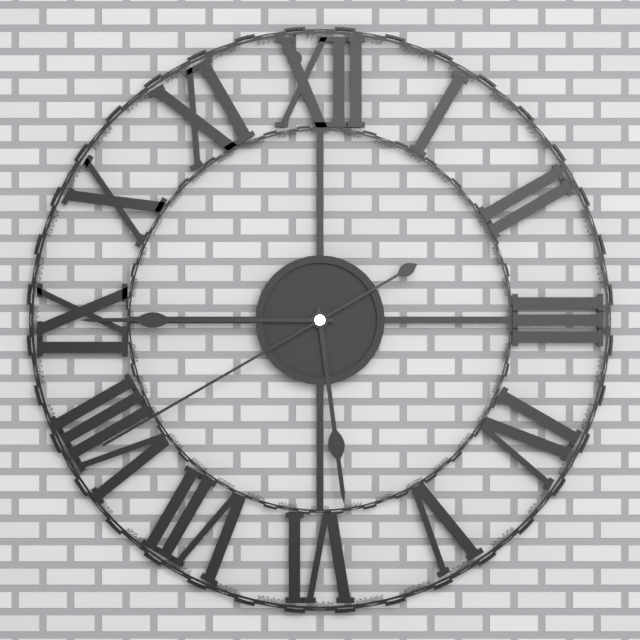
5,45,40
